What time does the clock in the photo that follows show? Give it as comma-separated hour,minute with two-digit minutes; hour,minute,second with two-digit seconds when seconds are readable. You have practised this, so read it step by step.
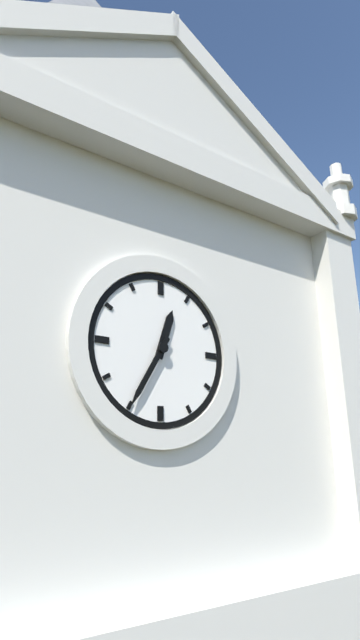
12,35
